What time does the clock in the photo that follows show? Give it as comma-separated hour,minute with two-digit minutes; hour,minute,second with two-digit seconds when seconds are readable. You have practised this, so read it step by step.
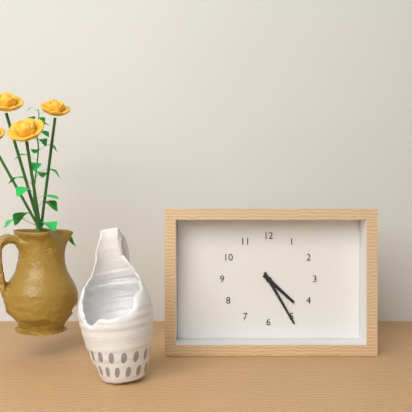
4,25
